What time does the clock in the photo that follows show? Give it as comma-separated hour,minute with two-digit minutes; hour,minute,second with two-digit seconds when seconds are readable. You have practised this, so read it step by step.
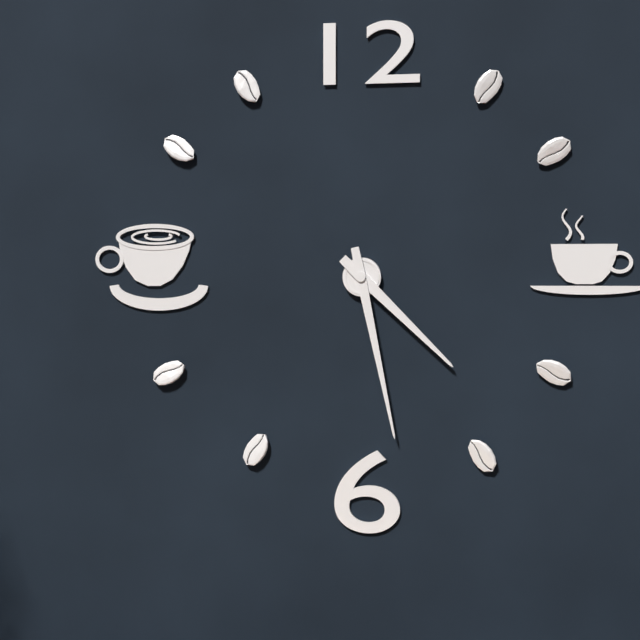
4,28
